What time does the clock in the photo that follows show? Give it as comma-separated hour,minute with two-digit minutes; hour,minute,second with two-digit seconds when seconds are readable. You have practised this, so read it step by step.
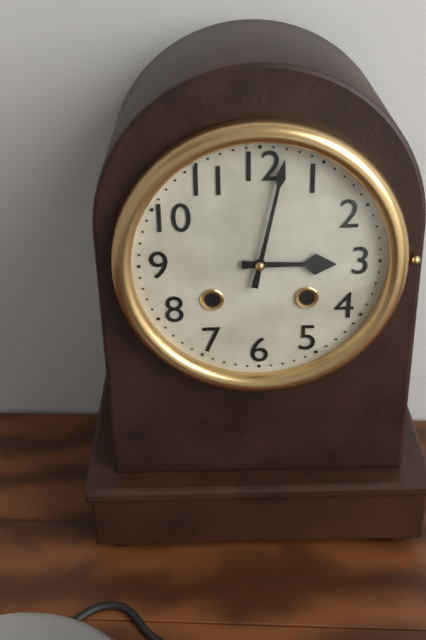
3,02
